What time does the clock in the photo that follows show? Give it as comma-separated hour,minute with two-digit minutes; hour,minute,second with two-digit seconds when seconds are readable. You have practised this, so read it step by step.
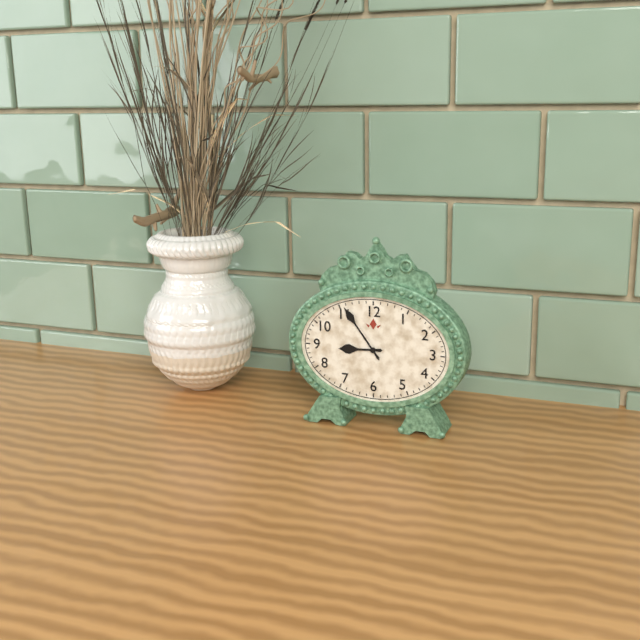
8,54
